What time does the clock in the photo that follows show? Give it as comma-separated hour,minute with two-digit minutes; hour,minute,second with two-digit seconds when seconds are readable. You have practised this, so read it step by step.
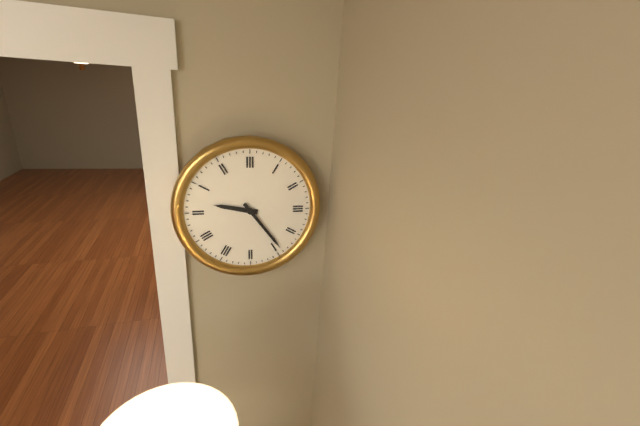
9,24
